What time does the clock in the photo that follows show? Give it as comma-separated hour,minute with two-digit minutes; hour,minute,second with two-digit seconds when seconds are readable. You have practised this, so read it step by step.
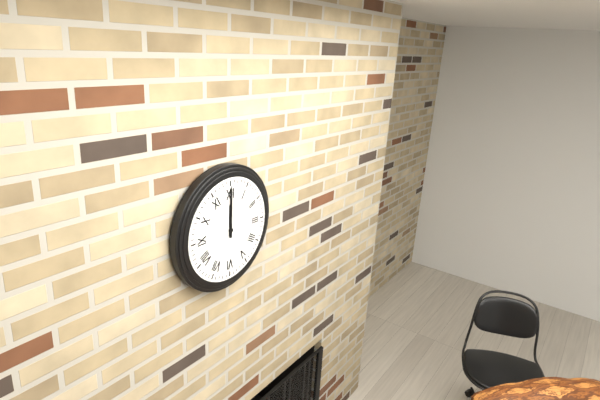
12,00
